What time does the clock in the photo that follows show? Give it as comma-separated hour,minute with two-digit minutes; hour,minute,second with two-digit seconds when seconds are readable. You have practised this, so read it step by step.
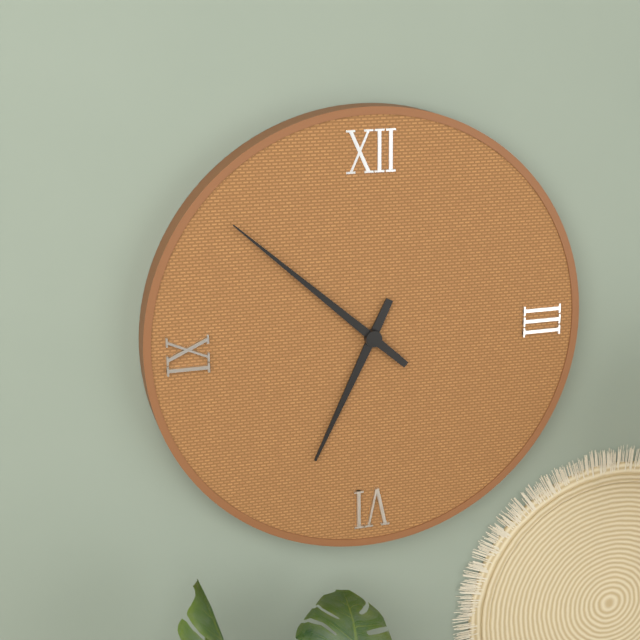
6,52
